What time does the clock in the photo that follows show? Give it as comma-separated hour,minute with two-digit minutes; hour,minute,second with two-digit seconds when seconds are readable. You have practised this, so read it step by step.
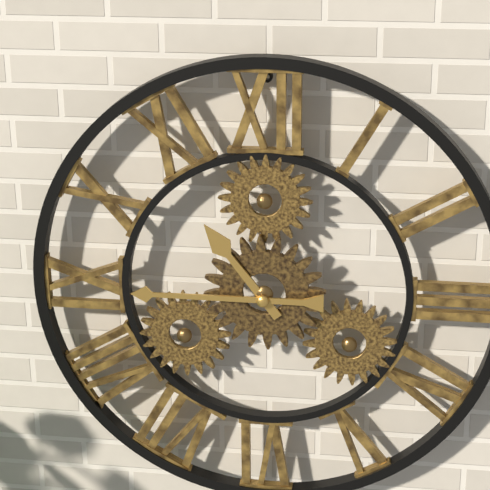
10,45
